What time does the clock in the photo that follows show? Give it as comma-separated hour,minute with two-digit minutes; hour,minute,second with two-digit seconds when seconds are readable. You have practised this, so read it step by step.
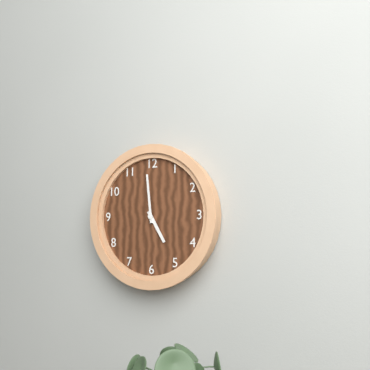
4,59
